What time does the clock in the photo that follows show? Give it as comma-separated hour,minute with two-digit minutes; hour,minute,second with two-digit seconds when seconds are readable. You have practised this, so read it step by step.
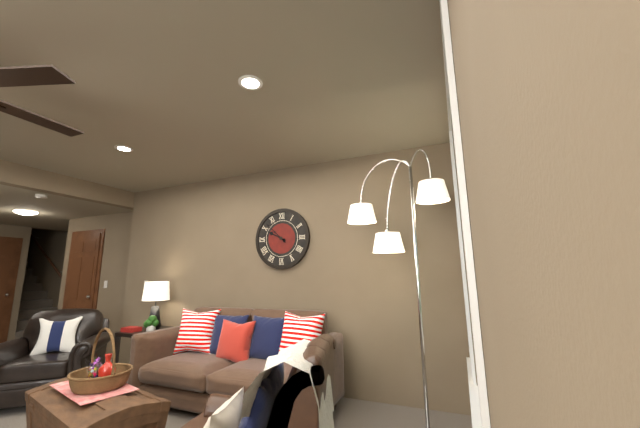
9,52
